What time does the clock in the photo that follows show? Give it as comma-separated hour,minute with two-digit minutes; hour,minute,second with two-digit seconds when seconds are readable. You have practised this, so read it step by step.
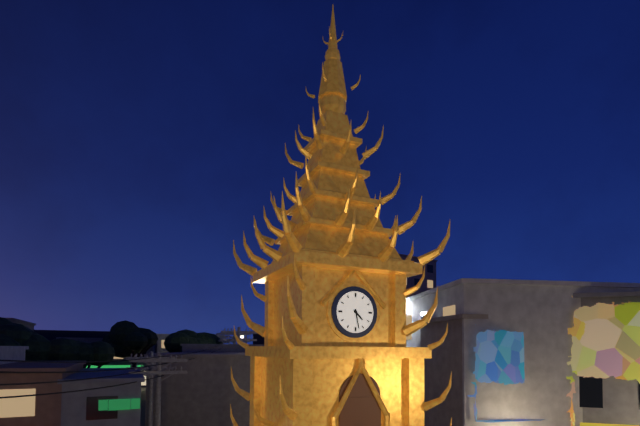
4,28
